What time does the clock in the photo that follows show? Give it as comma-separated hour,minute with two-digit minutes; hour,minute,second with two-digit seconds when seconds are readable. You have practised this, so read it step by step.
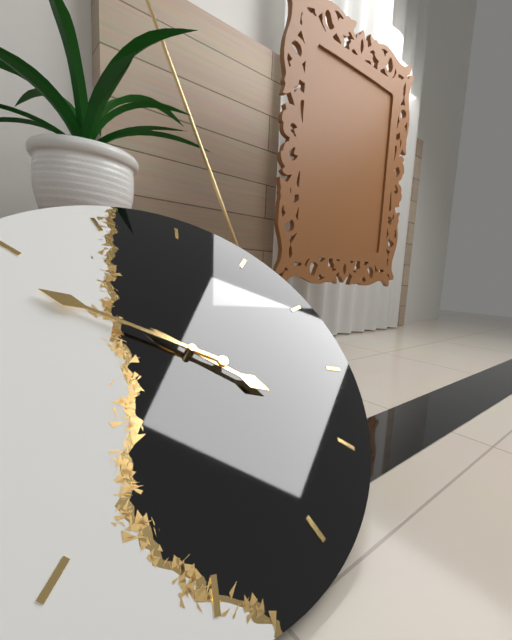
4,53
